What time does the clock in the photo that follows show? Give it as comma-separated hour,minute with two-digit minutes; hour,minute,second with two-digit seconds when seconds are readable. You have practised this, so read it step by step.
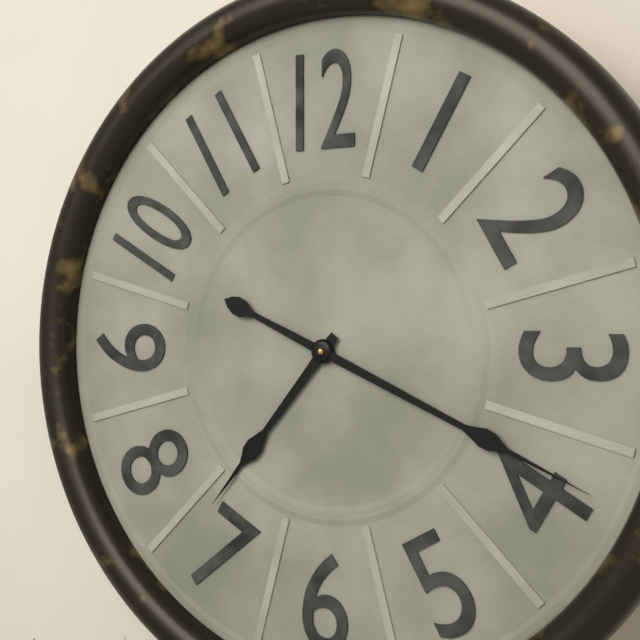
7,19
